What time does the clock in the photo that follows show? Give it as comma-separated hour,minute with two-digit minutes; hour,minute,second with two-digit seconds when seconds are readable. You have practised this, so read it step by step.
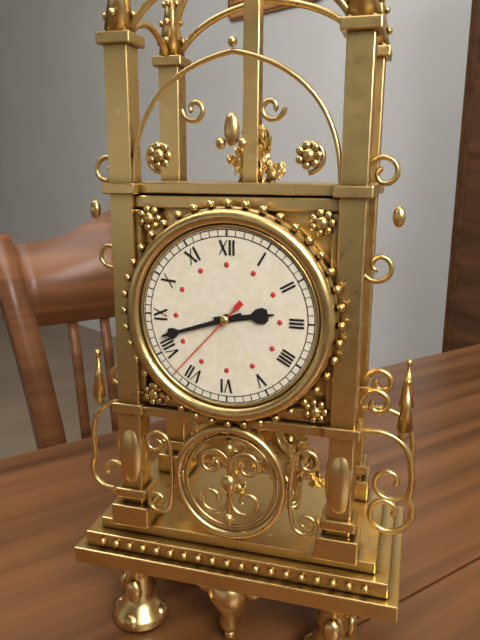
2,42,37
